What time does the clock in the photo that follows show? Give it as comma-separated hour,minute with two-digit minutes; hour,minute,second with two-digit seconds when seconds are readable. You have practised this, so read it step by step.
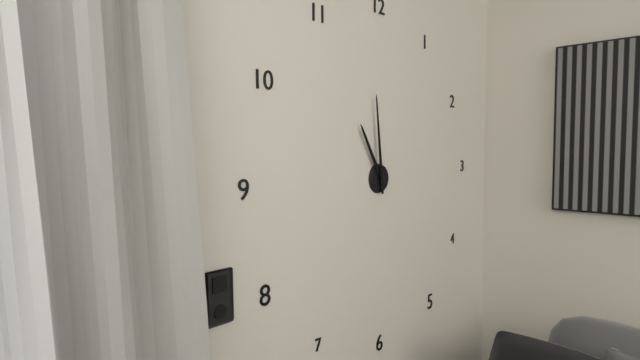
10,59
